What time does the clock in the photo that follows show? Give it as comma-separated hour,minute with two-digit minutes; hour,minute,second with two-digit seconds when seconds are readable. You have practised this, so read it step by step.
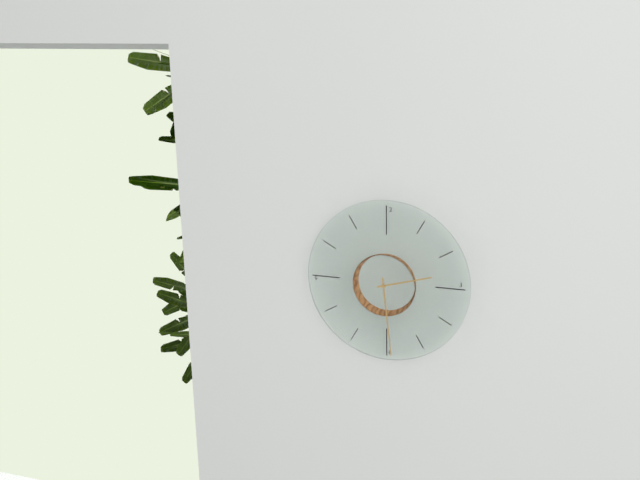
2,29
